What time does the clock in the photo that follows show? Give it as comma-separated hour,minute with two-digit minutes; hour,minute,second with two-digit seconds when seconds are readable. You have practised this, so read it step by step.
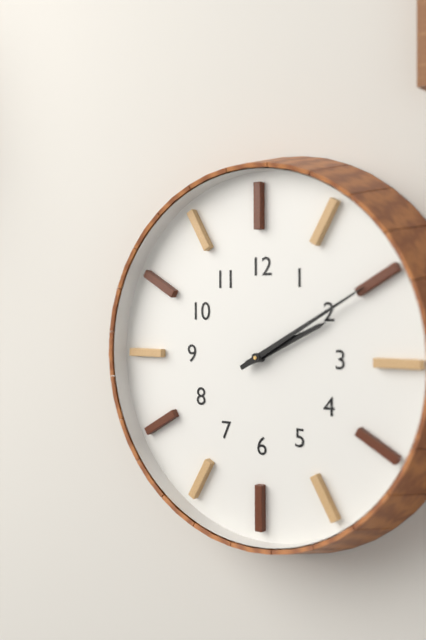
2,10
